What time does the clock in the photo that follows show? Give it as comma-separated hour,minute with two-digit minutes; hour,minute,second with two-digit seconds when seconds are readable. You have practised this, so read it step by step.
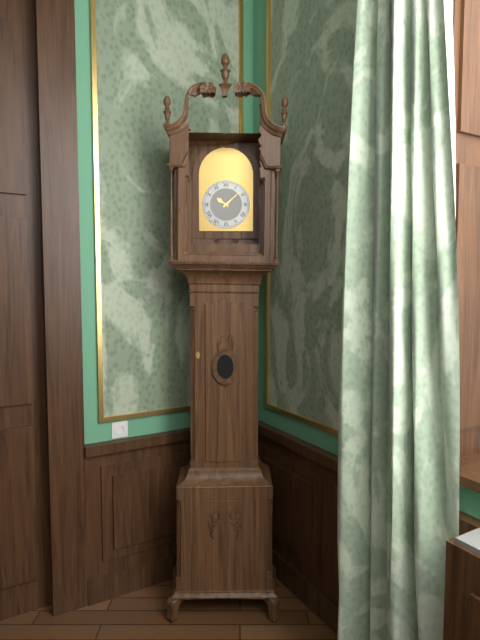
10,08
